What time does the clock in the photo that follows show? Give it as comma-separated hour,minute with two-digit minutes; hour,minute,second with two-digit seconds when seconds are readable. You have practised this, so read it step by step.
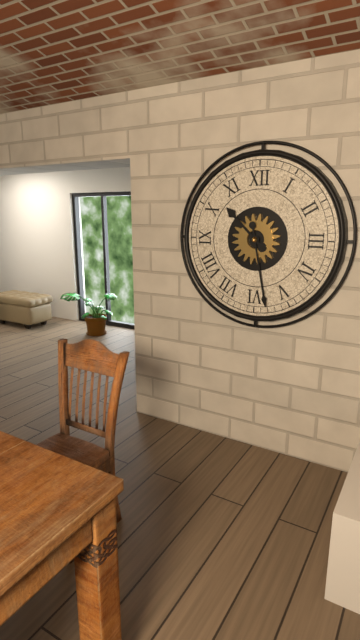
10,28
